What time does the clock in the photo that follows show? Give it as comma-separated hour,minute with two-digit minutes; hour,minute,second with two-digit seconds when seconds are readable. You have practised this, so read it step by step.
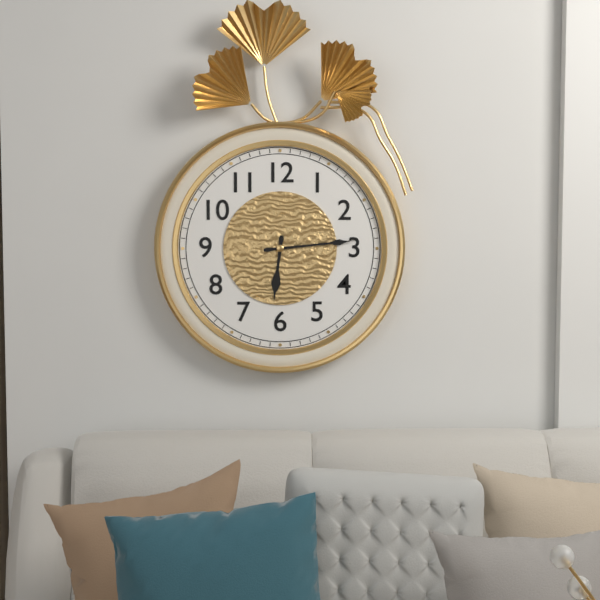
6,14
